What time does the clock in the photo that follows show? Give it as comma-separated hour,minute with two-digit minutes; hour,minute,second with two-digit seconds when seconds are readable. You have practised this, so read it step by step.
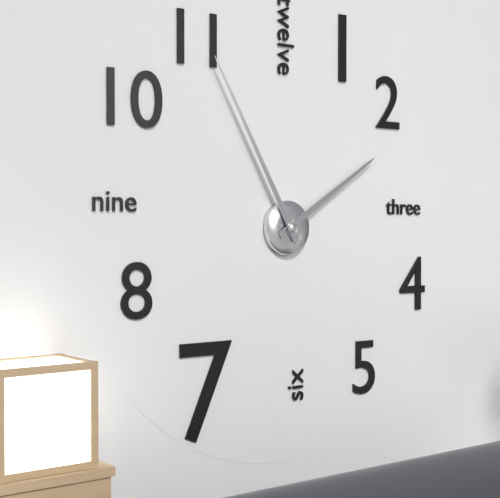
1,55
